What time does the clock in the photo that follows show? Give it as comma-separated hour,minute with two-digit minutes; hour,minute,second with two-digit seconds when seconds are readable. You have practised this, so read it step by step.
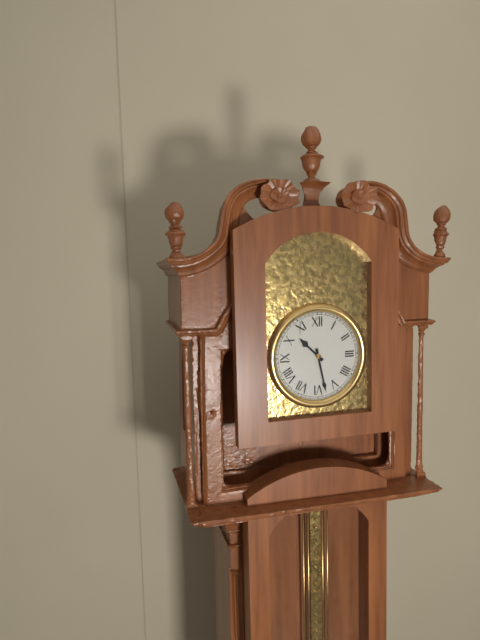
10,28
